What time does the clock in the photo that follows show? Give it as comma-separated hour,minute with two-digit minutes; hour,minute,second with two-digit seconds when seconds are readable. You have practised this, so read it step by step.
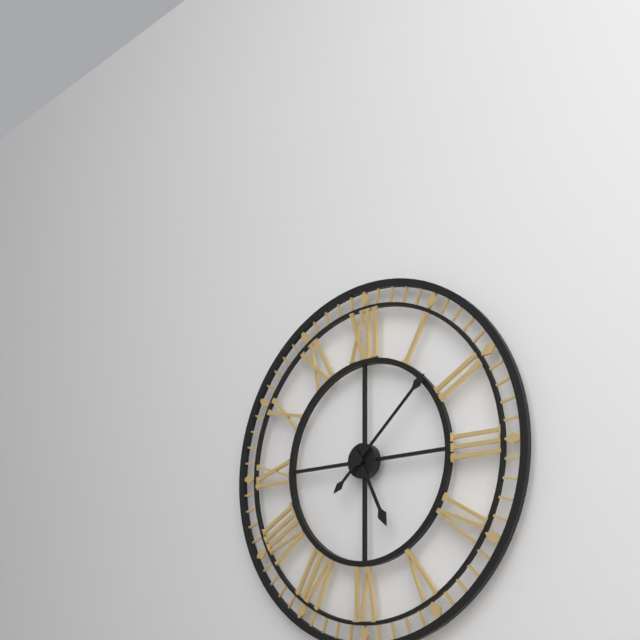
5,08
